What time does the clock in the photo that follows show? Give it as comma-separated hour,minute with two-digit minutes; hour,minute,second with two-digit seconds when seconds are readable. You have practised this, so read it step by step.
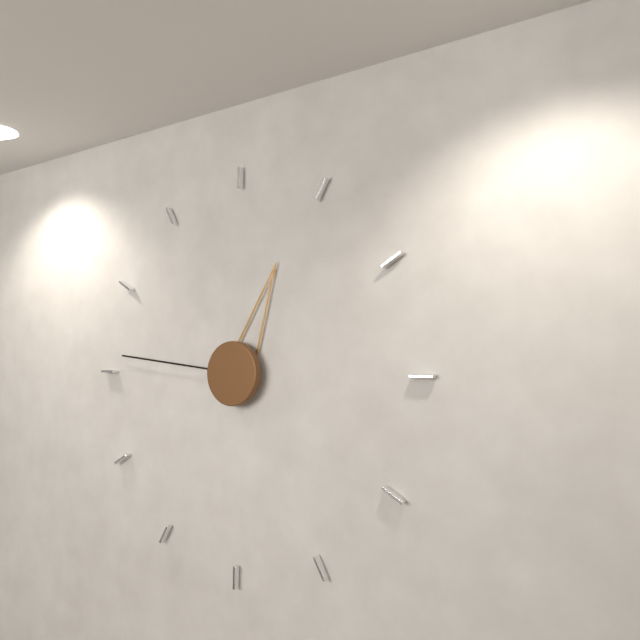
12,46
